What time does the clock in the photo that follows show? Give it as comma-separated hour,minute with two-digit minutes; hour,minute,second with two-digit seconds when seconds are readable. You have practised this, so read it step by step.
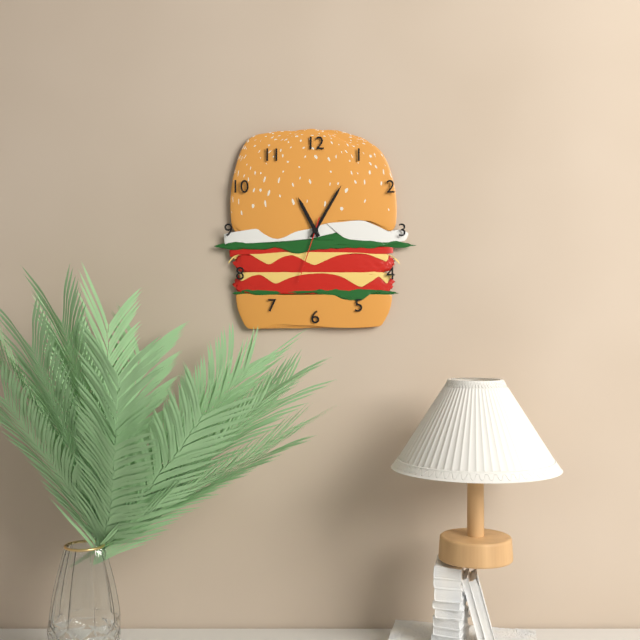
11,05,33
